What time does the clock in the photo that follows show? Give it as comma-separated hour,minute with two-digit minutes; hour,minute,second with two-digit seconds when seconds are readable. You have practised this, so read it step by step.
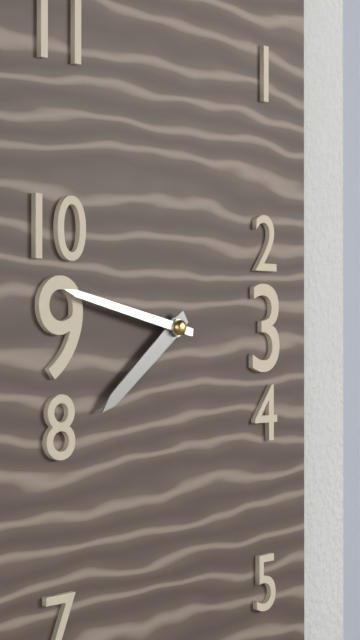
7,47
